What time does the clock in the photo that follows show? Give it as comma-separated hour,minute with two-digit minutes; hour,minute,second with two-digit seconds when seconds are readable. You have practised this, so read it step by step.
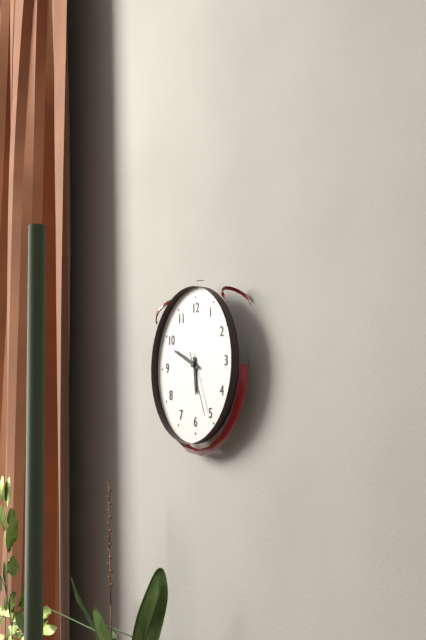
5,49,26
